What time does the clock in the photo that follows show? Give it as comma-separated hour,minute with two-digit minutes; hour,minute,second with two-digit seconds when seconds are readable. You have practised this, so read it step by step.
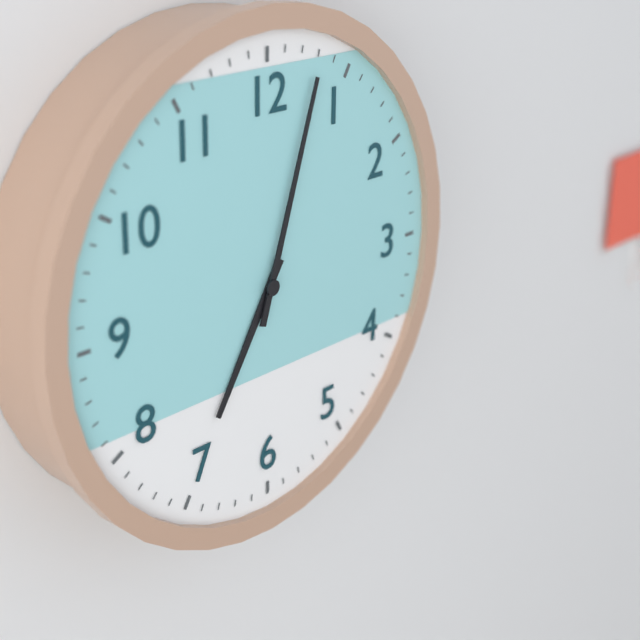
7,03
